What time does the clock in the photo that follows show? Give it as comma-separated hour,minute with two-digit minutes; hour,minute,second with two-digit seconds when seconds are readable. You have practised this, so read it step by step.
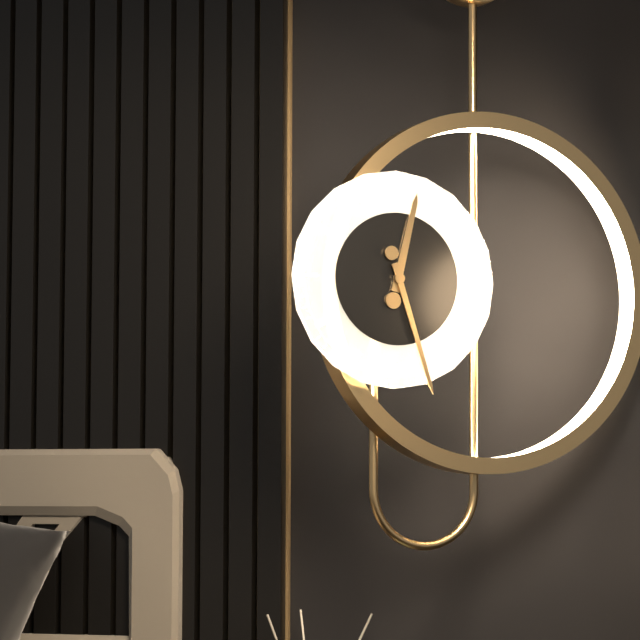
12,27
